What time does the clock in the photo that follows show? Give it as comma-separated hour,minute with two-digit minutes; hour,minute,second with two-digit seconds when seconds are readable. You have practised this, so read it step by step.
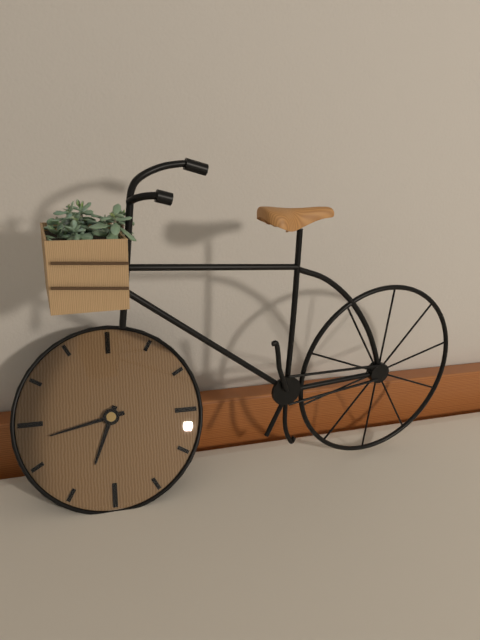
6,43
